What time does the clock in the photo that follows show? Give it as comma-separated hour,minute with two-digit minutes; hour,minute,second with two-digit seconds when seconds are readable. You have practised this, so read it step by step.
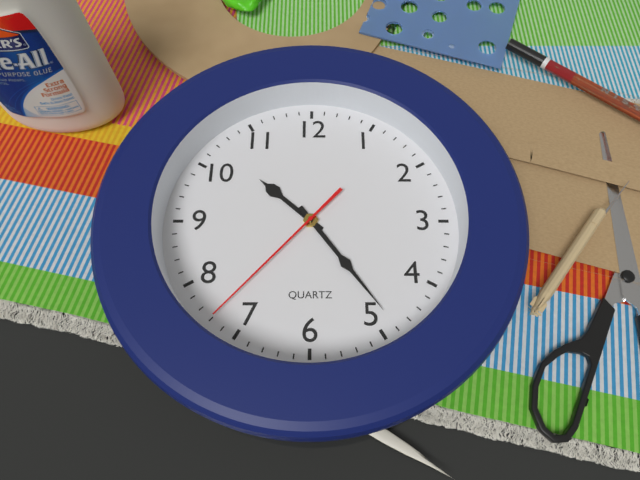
10,24,37
